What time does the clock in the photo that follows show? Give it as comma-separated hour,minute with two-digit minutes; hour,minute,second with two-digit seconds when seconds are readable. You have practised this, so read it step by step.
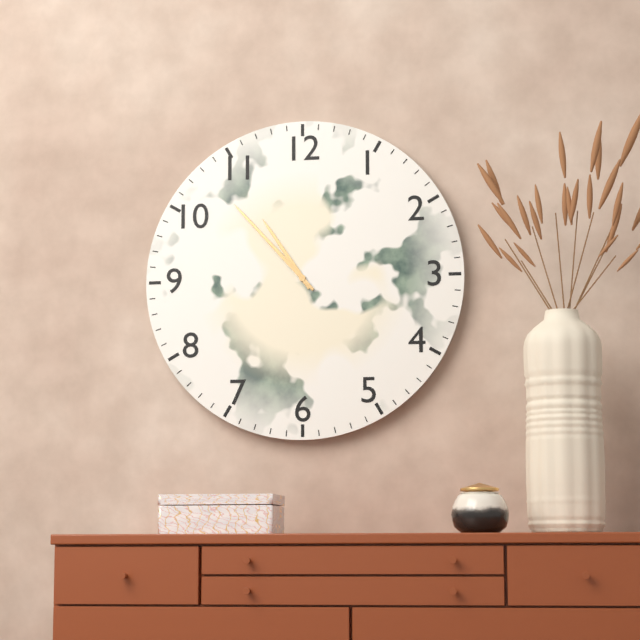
10,53
